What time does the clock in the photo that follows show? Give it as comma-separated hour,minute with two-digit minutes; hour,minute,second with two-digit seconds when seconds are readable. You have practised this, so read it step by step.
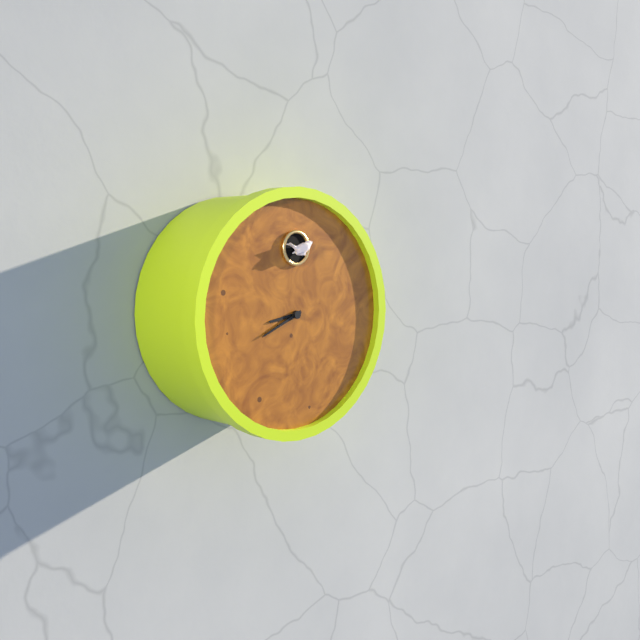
8,41
